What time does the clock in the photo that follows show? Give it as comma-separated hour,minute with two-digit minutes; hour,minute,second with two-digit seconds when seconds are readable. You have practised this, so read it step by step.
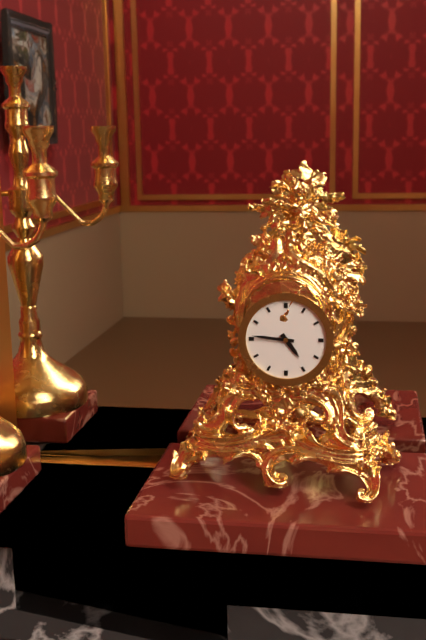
4,46
